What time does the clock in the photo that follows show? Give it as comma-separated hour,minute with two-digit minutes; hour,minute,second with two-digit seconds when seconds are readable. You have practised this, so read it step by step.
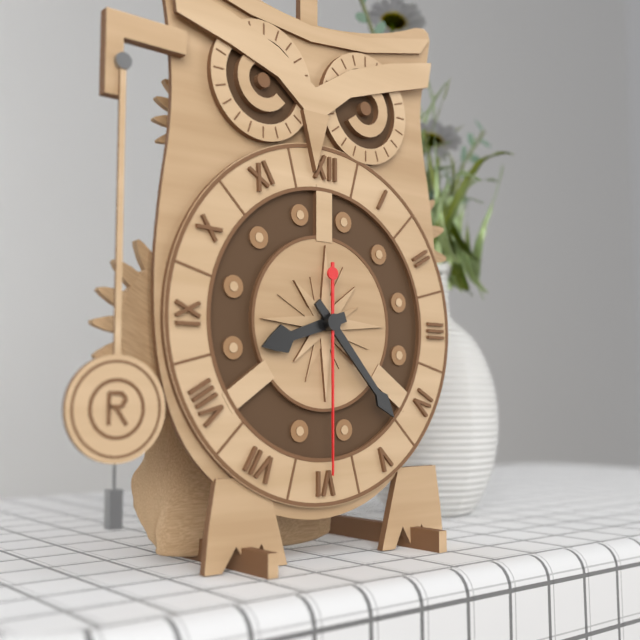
8,23,30
